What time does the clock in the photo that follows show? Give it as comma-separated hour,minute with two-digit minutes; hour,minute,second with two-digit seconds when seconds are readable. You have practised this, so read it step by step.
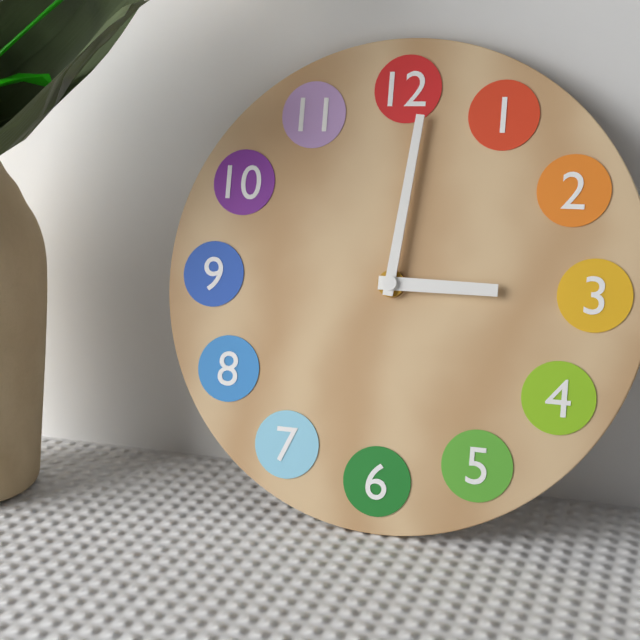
3,01
